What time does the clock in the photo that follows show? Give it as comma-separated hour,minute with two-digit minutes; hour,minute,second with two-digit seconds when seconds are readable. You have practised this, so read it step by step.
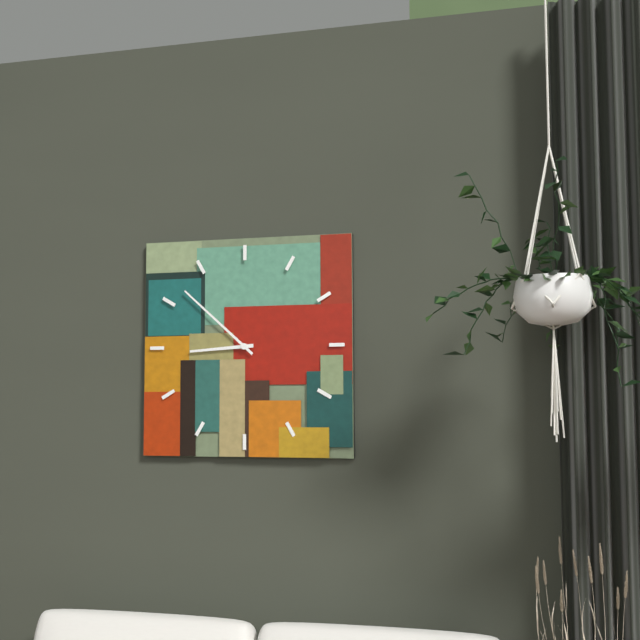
8,52
